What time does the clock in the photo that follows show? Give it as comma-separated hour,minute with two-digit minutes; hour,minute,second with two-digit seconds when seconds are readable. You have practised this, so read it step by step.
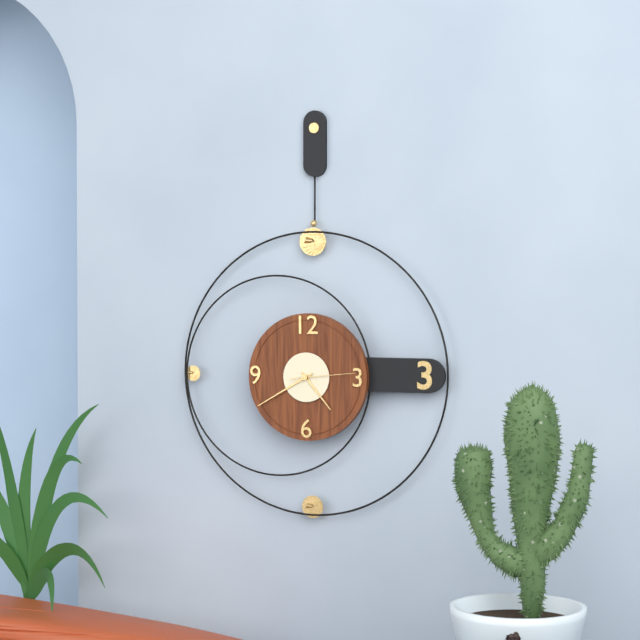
4,40,14
